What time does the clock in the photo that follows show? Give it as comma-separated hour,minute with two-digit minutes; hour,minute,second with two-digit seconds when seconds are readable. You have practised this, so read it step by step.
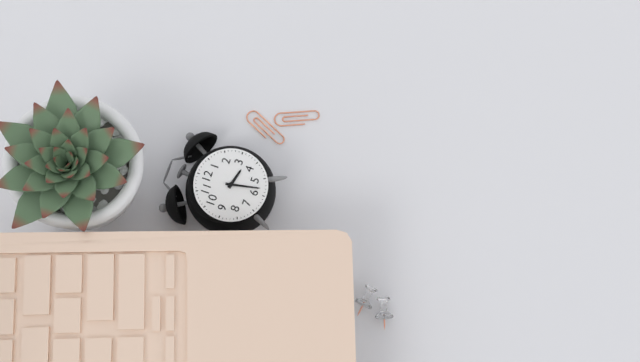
3,28
